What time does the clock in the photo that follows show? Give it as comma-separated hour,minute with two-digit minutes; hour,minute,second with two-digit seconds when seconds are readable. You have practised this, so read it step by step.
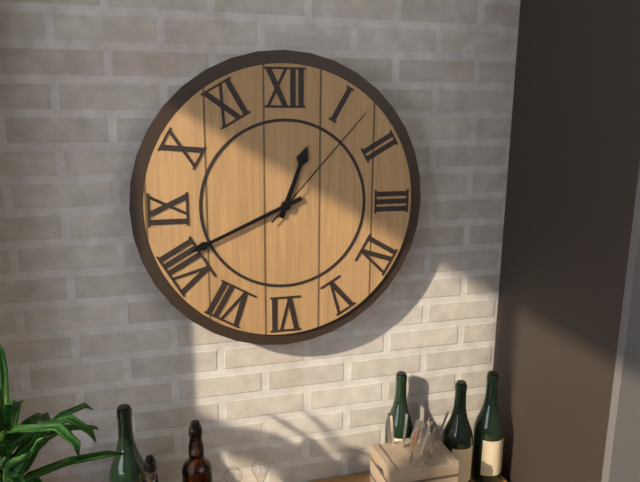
12,41,07
